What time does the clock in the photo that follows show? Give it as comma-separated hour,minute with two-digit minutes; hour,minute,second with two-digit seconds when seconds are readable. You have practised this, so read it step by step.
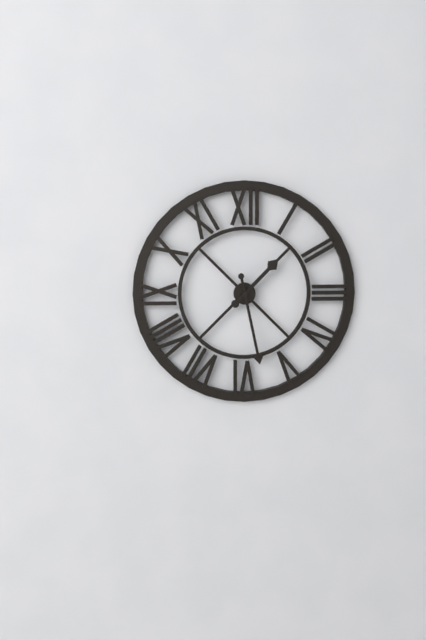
1,28
